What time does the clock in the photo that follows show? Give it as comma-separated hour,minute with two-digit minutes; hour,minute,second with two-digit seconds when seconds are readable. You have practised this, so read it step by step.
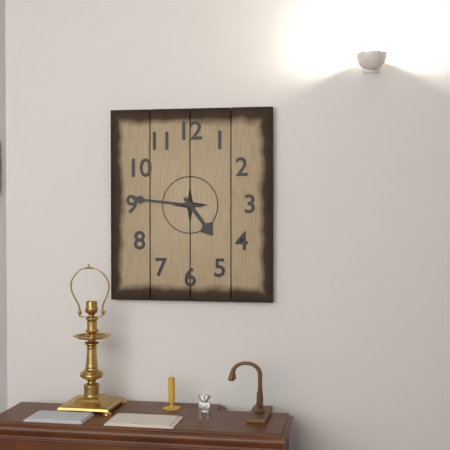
4,46
